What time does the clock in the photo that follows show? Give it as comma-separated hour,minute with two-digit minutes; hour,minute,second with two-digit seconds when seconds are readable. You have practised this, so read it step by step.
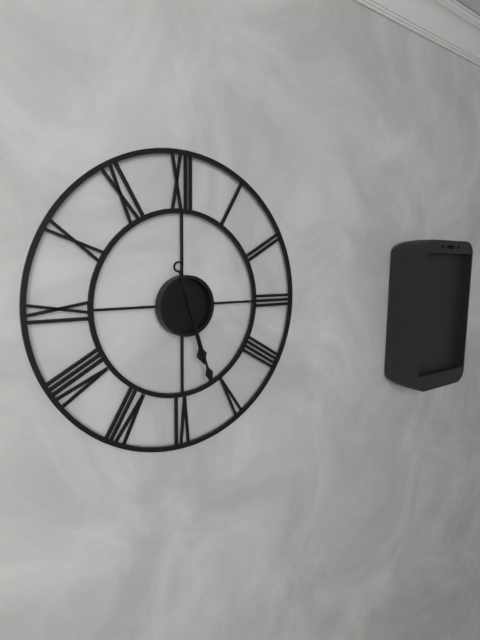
5,27
